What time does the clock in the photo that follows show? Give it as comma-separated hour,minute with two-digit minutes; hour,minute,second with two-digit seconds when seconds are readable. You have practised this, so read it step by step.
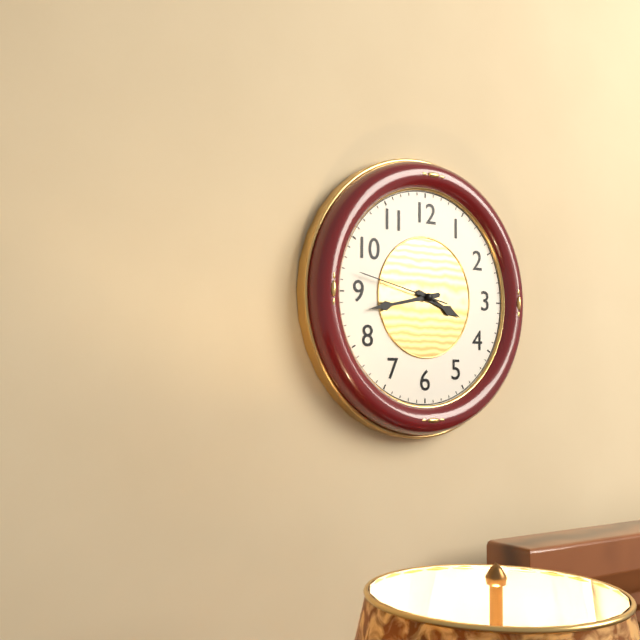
3,43,47
